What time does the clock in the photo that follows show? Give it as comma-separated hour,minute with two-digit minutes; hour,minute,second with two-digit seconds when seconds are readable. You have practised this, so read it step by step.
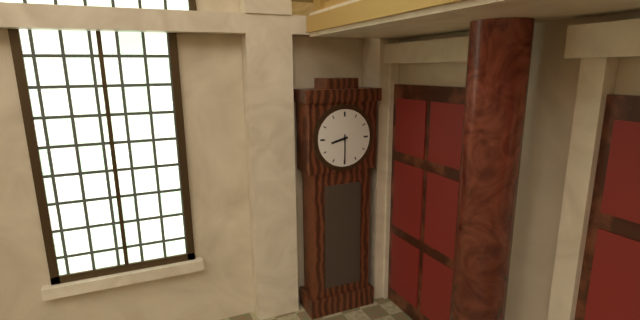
8,30
